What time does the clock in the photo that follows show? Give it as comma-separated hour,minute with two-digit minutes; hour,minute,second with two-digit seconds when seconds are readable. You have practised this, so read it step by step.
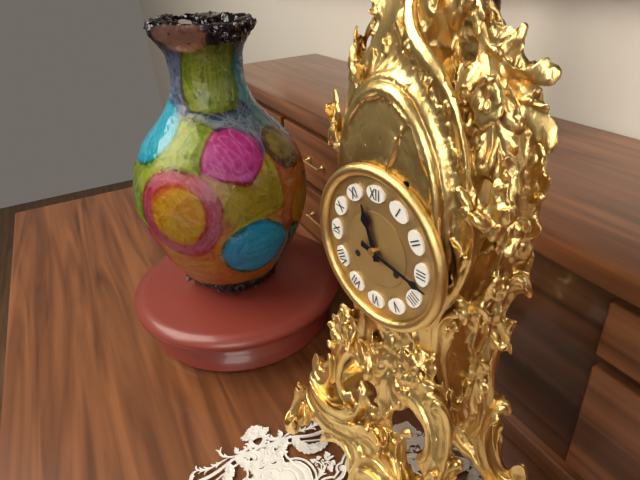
11,17
